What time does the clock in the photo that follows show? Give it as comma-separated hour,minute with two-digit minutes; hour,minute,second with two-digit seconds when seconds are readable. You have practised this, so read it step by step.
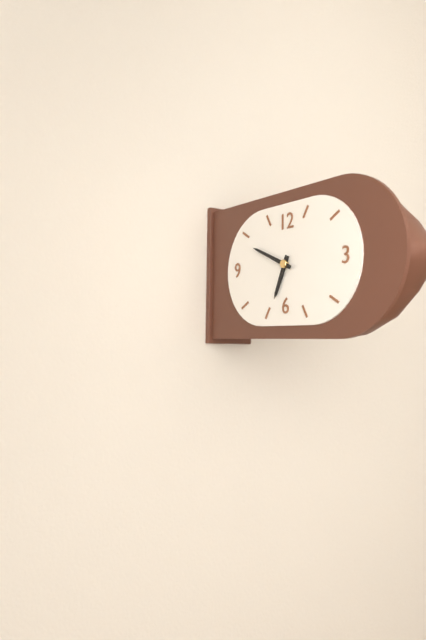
6,49
